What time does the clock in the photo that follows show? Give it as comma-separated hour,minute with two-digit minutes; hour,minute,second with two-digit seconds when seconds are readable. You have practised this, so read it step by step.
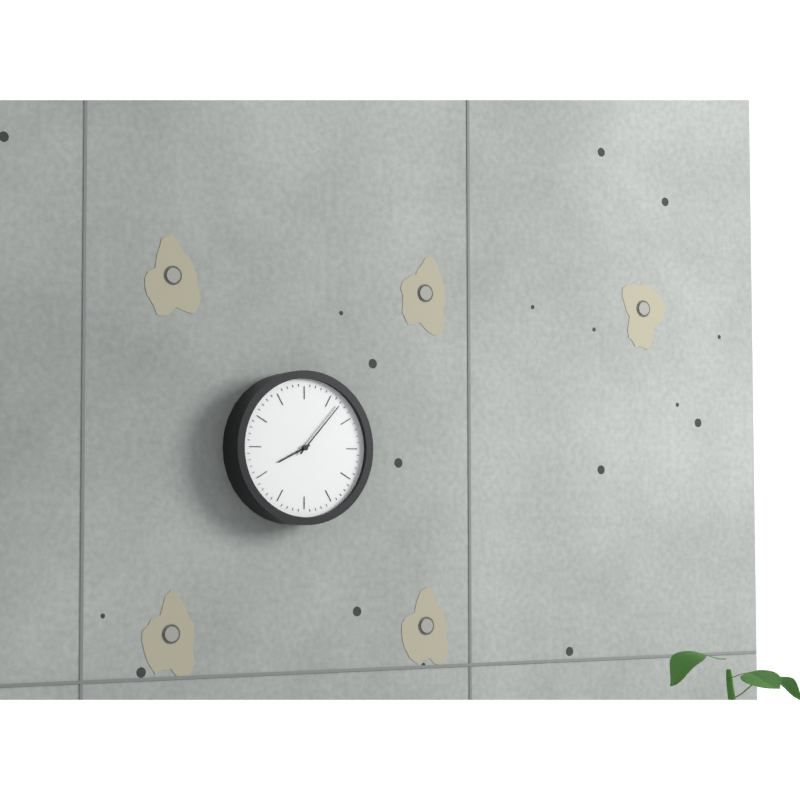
8,07
